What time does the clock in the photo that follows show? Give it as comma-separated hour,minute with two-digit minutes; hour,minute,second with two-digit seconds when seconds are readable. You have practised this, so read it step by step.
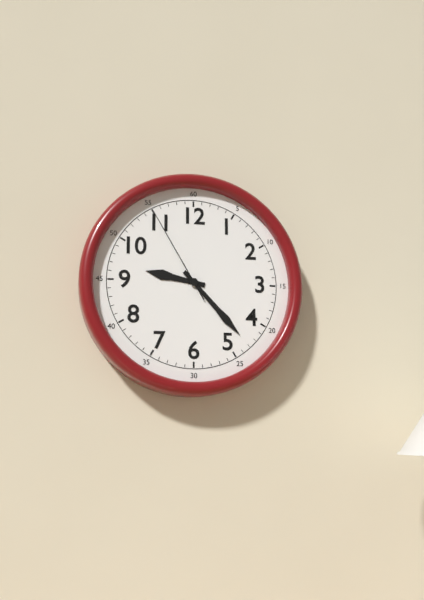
9,23,55
